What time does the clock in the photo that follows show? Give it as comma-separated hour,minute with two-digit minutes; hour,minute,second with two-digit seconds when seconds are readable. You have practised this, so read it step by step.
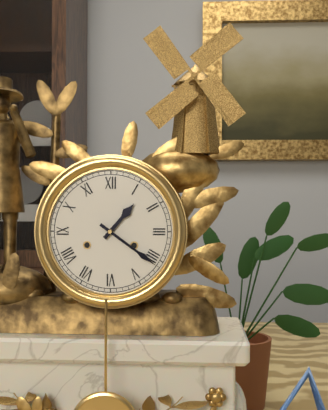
1,21
